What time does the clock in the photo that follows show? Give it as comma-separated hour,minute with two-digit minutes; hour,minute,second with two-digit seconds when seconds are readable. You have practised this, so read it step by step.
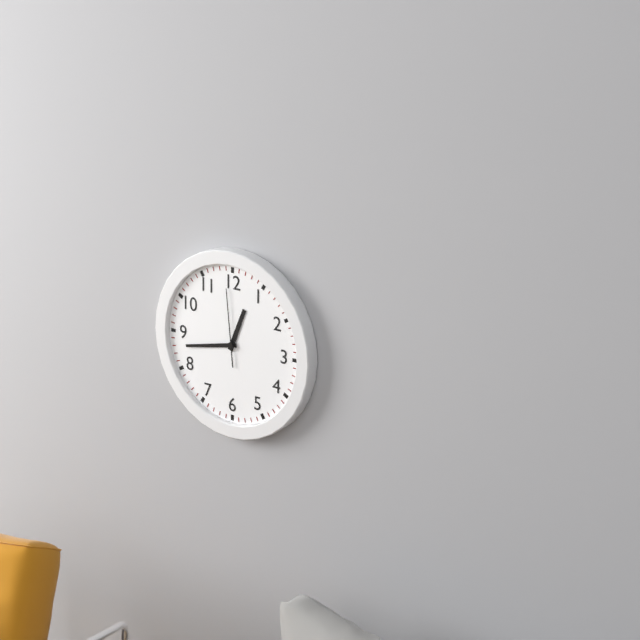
12,43,59
